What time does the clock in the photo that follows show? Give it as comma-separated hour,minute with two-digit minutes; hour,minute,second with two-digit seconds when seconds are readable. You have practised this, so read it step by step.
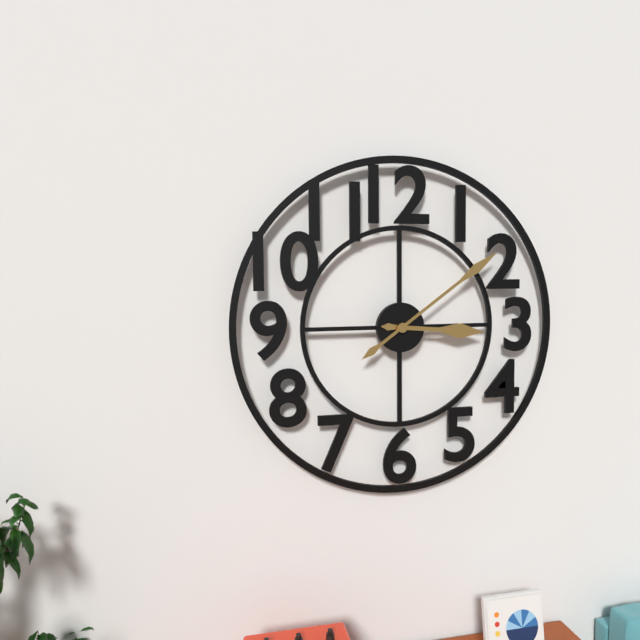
3,09
